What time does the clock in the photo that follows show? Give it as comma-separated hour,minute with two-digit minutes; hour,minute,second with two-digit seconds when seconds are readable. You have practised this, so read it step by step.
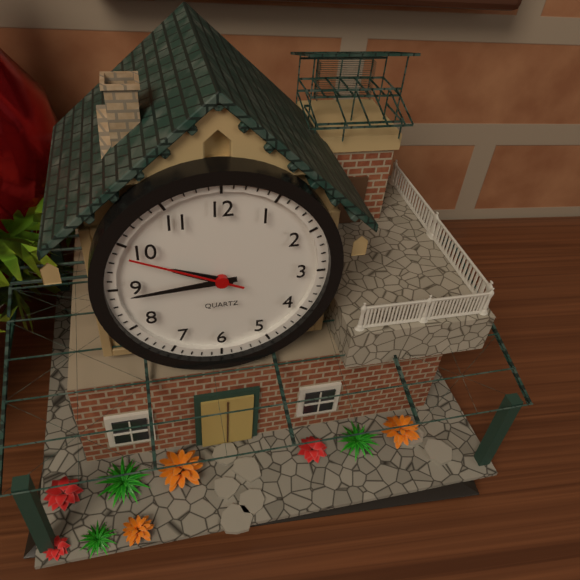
9,44,49
